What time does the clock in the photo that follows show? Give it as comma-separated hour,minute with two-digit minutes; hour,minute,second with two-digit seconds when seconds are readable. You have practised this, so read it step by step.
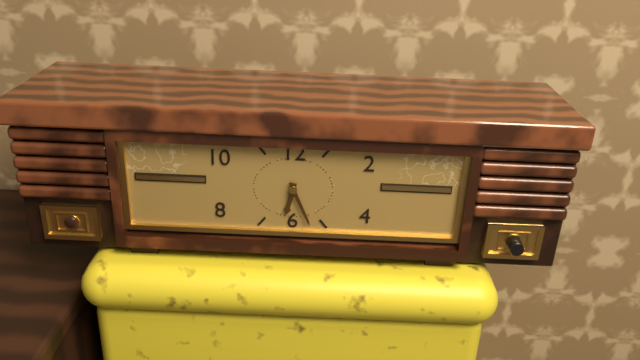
6,26
